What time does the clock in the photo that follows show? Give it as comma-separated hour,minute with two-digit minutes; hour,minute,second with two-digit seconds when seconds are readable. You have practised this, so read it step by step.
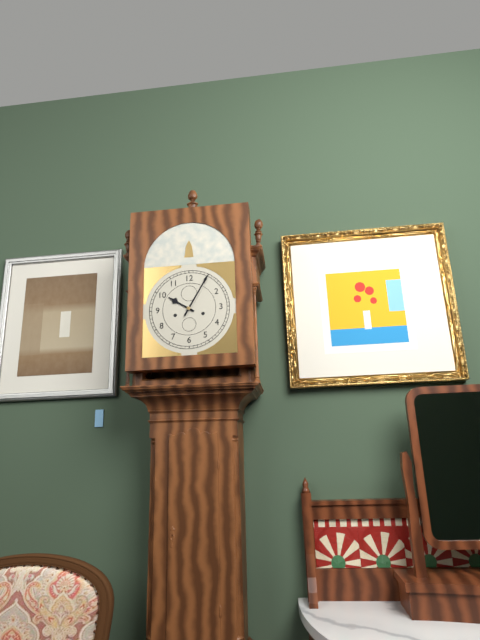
10,05
